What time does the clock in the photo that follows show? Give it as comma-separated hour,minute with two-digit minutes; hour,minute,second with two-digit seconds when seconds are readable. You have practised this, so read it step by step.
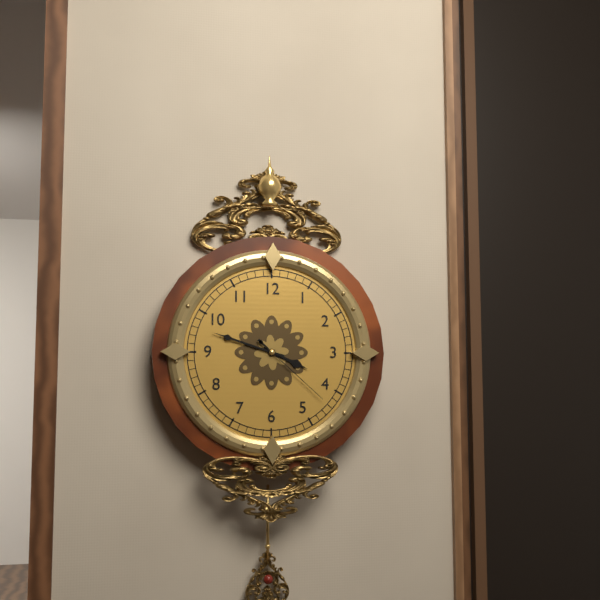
3,48,22
